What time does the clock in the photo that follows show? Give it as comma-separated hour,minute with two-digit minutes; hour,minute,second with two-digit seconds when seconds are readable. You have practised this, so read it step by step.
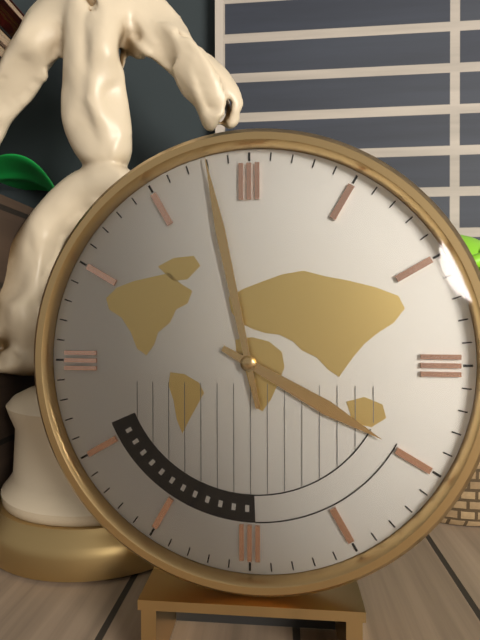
3,58
